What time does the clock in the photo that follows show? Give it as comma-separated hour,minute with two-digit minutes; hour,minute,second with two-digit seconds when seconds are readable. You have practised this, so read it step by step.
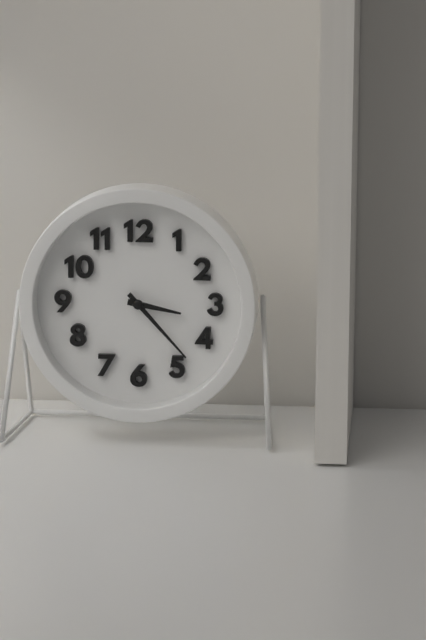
3,23
